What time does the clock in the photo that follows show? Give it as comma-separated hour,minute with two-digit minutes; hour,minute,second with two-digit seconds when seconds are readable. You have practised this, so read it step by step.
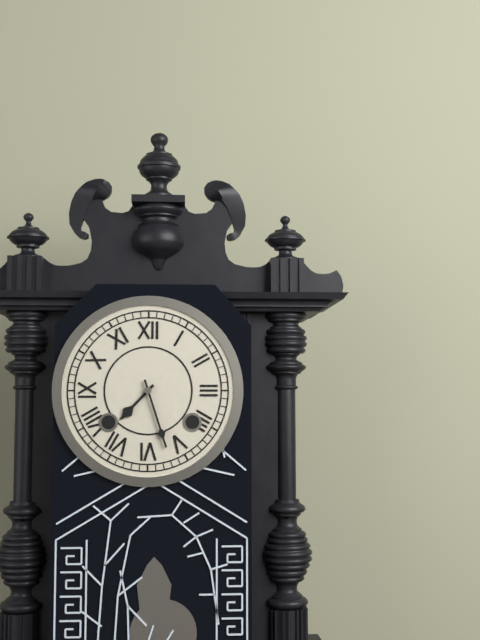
7,27
